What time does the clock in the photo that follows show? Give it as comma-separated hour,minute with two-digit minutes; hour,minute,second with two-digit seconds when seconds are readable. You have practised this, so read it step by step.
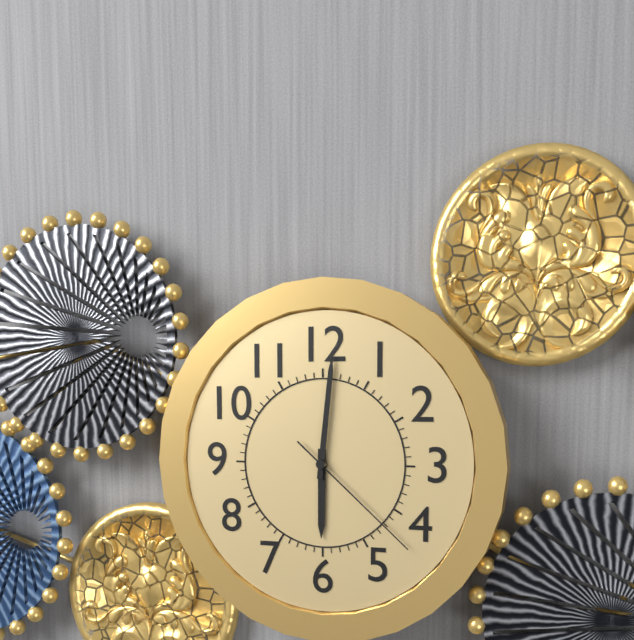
6,01,22
